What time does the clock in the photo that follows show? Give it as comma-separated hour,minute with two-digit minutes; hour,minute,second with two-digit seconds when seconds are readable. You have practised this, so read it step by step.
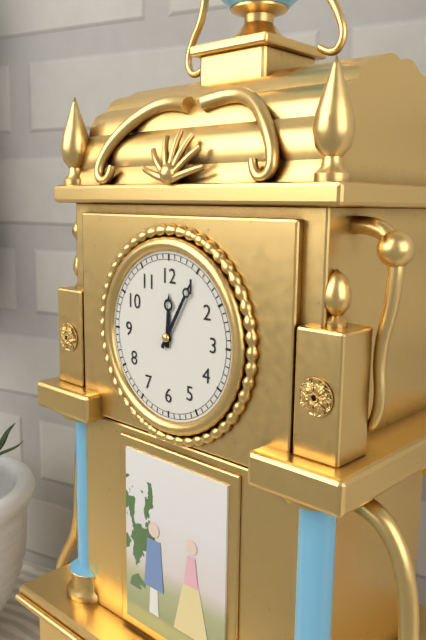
12,05
